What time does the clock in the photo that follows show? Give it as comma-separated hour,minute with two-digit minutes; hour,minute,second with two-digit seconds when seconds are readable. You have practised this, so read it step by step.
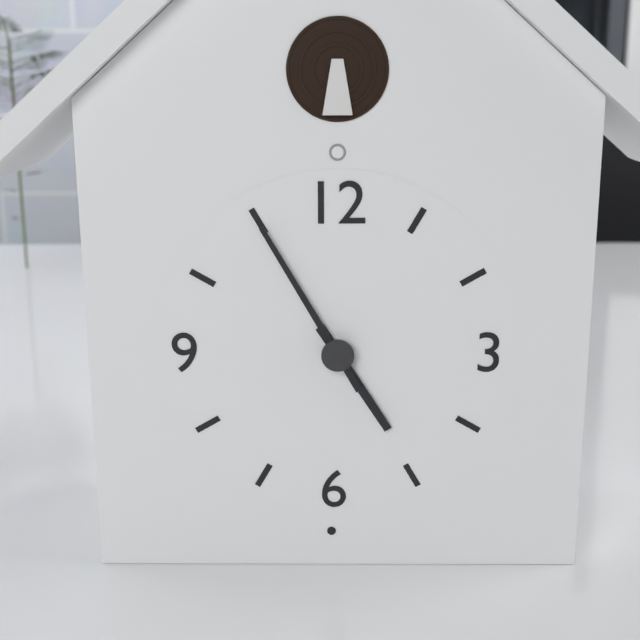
4,55
